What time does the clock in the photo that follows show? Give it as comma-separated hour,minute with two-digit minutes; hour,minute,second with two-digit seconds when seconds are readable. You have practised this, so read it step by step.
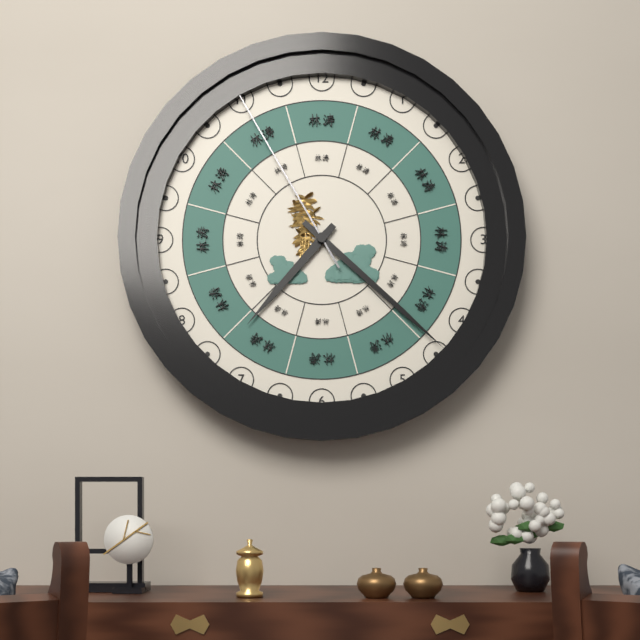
7,22,55
